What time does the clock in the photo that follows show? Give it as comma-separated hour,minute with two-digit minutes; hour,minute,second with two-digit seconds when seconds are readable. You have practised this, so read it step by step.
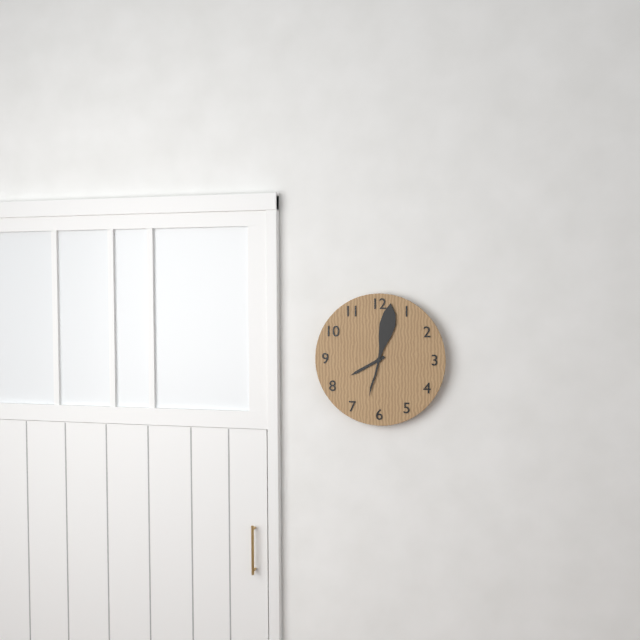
8,02
